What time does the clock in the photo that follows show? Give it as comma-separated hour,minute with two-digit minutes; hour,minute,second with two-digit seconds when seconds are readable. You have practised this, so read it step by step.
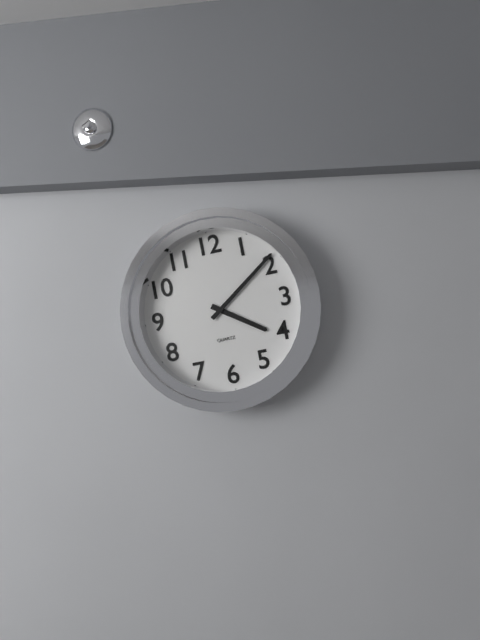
4,09
